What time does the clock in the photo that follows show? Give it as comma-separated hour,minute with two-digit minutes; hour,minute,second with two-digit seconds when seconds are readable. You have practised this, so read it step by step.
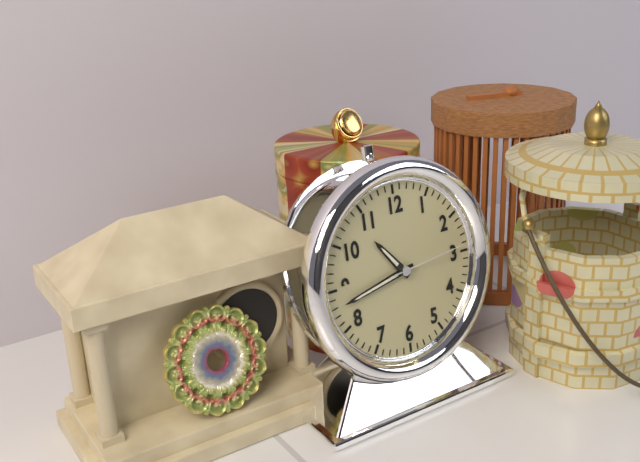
10,43,14
